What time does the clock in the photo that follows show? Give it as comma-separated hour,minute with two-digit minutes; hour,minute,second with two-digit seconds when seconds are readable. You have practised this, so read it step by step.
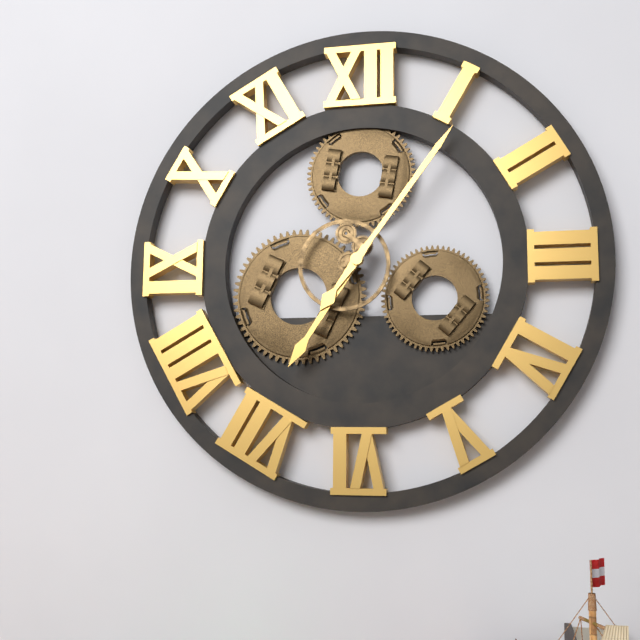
7,06
